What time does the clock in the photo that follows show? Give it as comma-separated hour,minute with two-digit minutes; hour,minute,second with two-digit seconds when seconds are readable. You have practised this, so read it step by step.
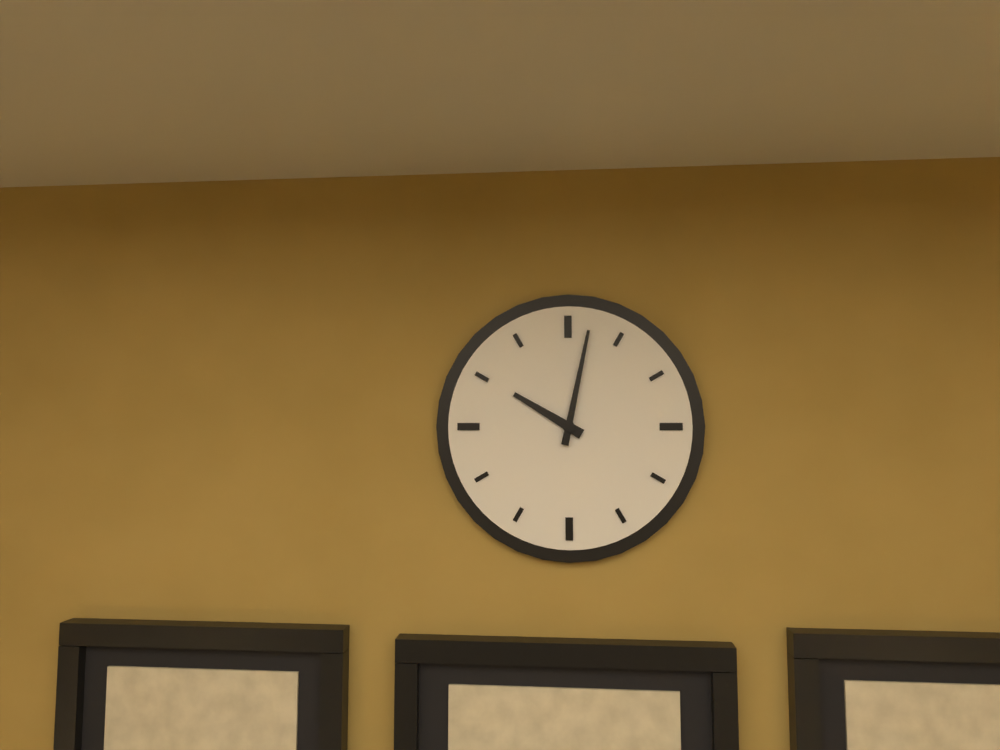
10,02
